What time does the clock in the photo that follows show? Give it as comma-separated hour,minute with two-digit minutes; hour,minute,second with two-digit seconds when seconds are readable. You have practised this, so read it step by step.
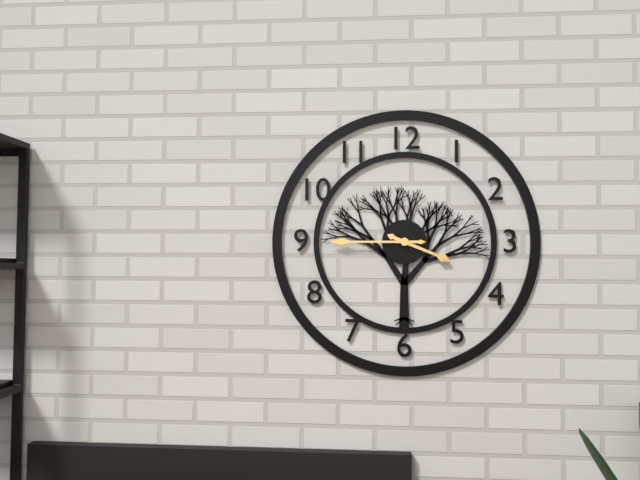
3,45
